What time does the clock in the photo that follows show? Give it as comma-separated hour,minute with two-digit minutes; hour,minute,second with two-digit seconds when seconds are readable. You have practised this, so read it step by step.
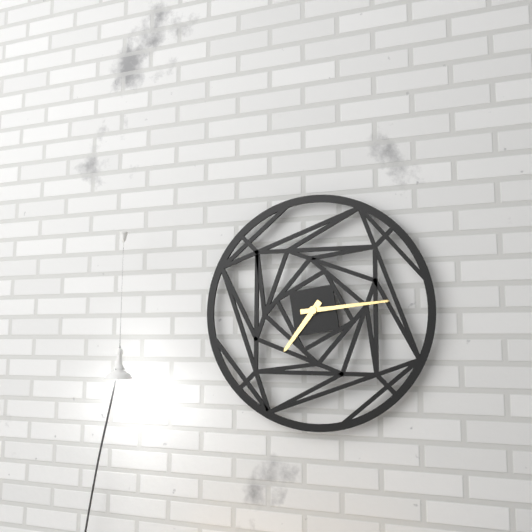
7,14
